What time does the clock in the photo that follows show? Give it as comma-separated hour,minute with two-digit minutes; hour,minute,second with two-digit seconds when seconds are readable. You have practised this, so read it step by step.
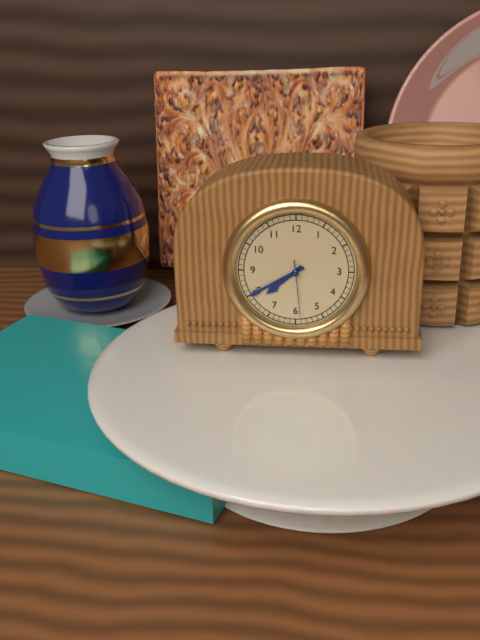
7,40,29
